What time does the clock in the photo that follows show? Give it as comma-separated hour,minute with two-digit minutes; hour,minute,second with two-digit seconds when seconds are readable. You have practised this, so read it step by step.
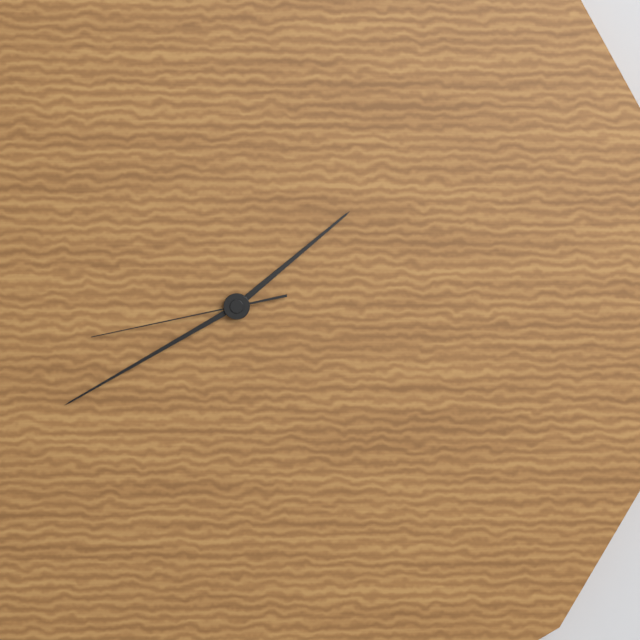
1,40,43
